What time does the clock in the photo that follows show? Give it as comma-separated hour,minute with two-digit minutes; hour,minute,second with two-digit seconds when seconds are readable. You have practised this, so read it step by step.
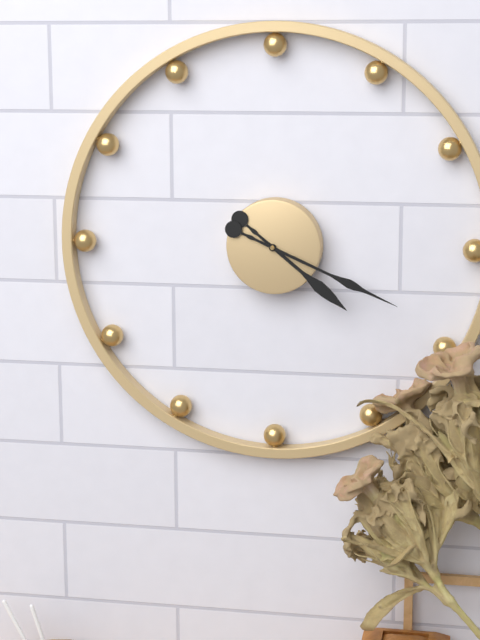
4,19
